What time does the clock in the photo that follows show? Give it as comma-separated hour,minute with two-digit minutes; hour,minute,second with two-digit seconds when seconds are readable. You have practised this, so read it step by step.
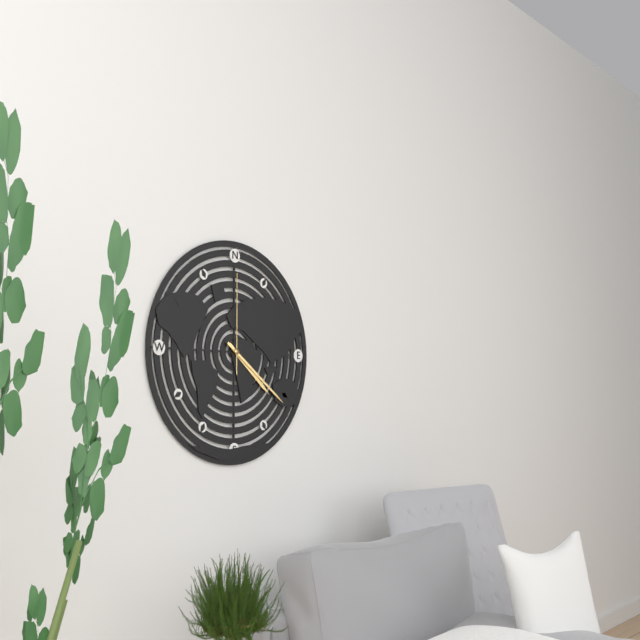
4,21,00
